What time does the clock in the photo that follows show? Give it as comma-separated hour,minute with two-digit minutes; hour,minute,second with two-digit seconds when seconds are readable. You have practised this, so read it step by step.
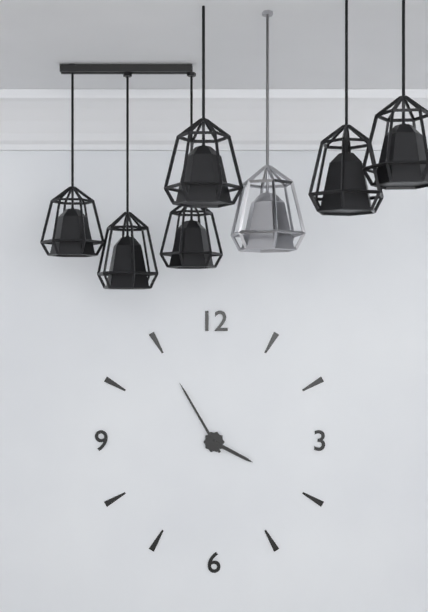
3,55
